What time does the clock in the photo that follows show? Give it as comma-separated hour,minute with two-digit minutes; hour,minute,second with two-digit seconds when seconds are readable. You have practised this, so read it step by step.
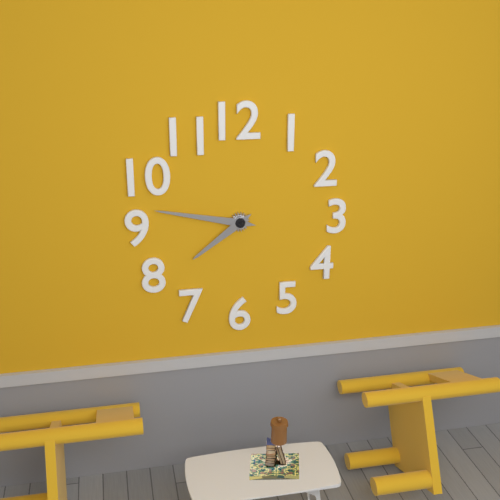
7,47
